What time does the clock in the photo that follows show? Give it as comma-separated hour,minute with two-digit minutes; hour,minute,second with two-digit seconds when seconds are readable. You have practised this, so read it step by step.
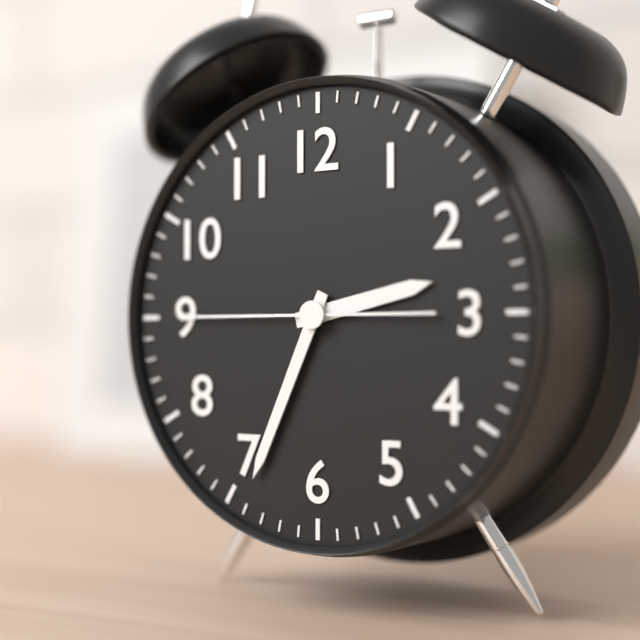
2,34,45
